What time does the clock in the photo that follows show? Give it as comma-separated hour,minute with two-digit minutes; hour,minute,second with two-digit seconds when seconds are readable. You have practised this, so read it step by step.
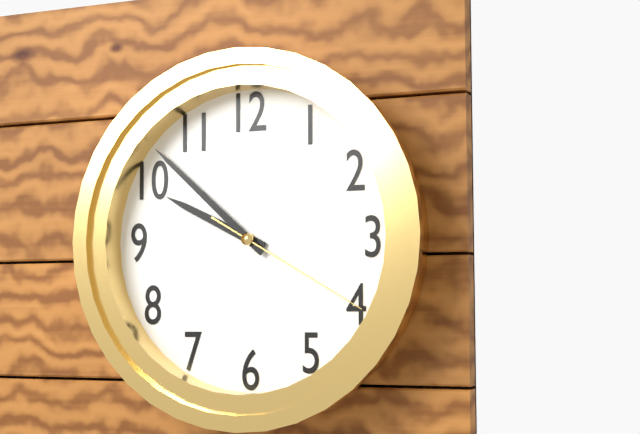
9,52,20
